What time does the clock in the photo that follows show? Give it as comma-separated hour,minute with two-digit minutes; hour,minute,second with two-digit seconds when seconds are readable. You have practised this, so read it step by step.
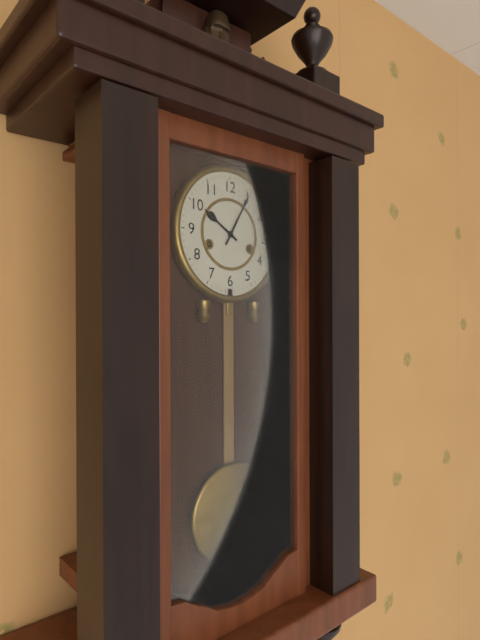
10,05
